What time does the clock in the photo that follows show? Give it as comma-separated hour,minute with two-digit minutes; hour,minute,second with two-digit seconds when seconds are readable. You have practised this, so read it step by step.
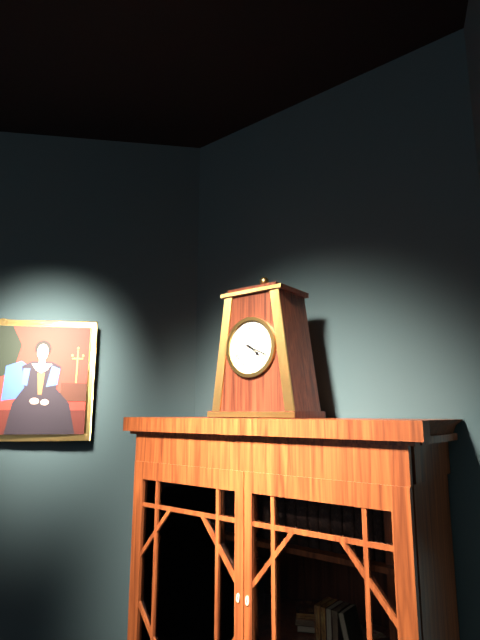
4,19
